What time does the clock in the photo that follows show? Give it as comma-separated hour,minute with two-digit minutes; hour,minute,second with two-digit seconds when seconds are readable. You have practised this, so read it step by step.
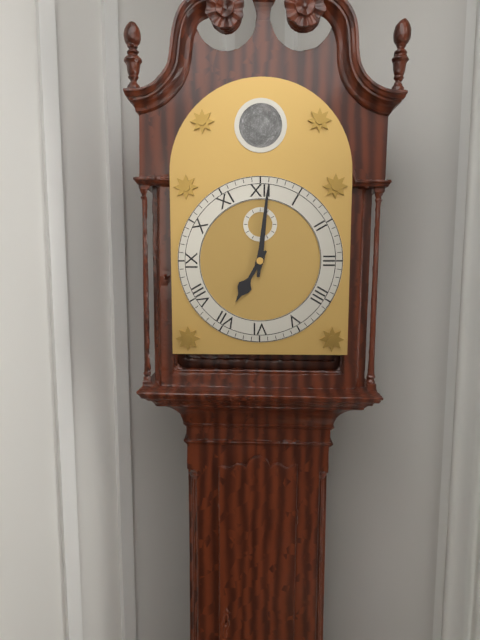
7,01
